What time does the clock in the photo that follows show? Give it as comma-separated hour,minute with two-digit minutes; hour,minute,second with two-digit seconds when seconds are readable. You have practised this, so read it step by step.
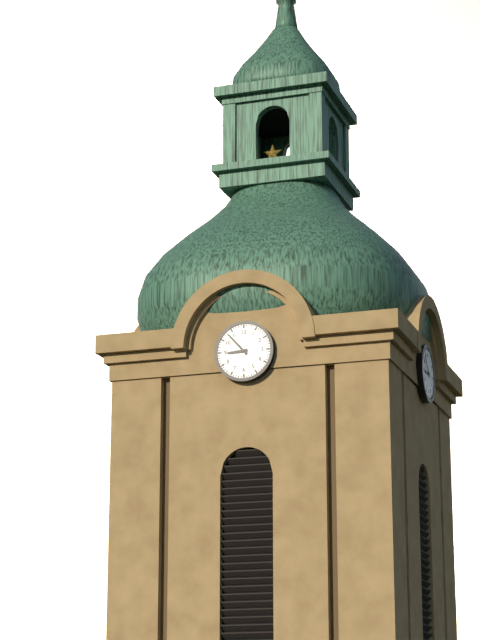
8,53
